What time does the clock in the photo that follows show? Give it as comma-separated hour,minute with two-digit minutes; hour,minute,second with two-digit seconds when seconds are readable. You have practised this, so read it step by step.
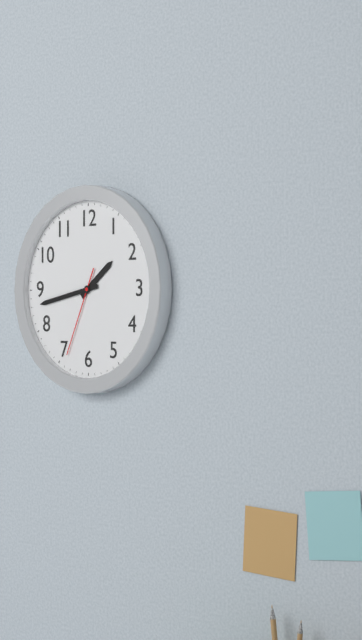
1,43,34
